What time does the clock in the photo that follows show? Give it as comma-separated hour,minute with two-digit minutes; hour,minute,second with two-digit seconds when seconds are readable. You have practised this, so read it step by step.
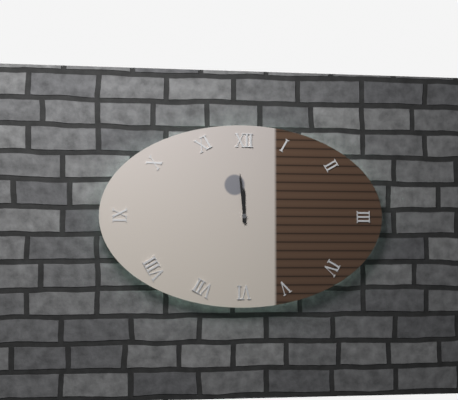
11,59
